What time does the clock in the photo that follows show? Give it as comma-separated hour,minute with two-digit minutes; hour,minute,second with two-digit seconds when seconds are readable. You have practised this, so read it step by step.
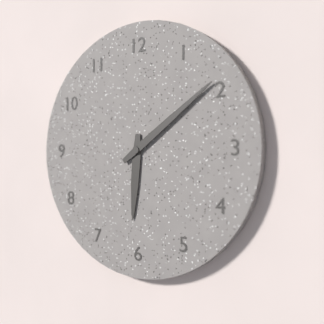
6,09
